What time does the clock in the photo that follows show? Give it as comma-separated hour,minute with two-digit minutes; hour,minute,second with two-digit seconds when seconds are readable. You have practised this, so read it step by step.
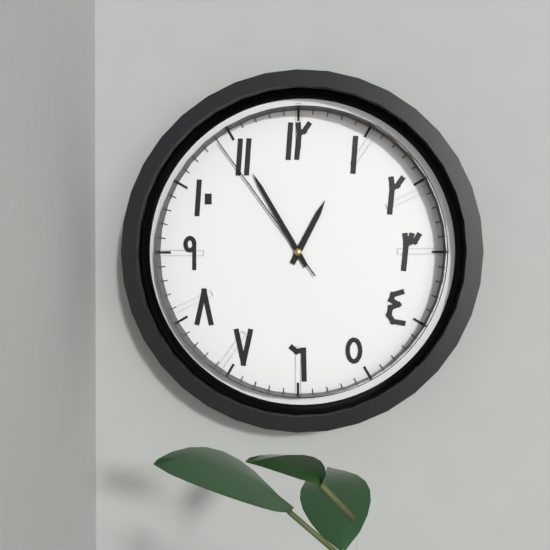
12,55,54
